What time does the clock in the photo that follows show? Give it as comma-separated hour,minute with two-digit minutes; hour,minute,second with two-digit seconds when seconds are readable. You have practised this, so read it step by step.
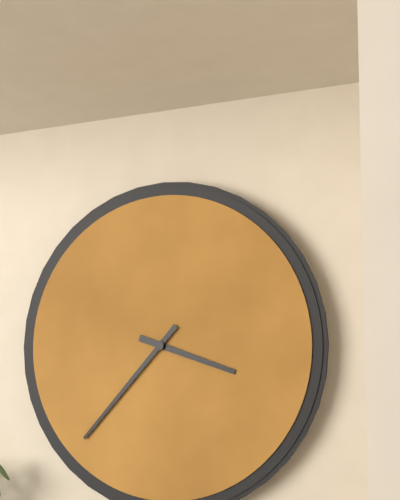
3,37
